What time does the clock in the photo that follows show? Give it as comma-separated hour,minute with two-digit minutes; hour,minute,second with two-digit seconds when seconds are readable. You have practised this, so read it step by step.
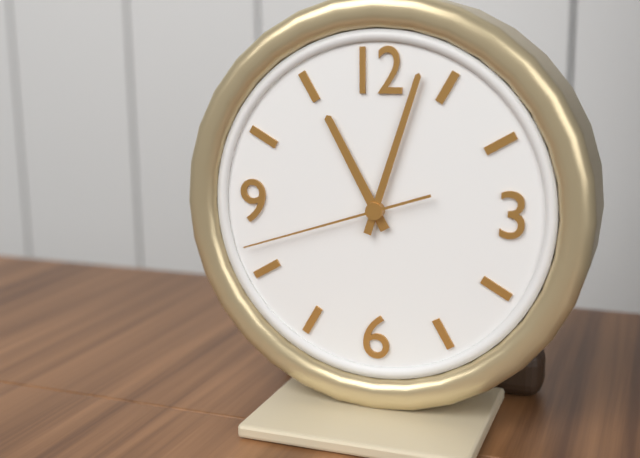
11,03,42
